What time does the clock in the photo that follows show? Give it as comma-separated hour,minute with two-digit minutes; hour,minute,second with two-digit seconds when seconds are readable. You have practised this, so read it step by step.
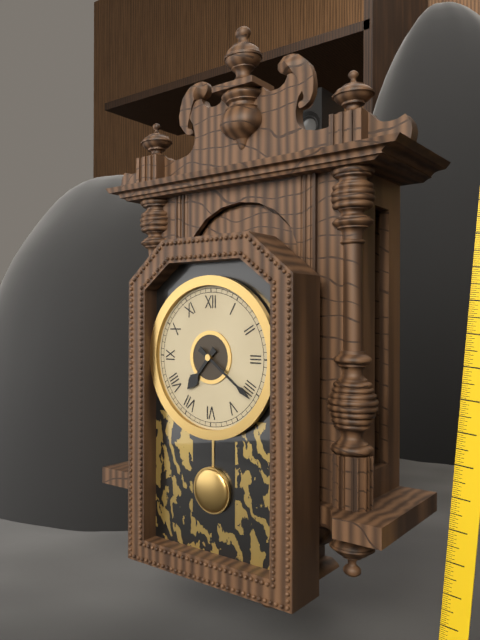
7,21
